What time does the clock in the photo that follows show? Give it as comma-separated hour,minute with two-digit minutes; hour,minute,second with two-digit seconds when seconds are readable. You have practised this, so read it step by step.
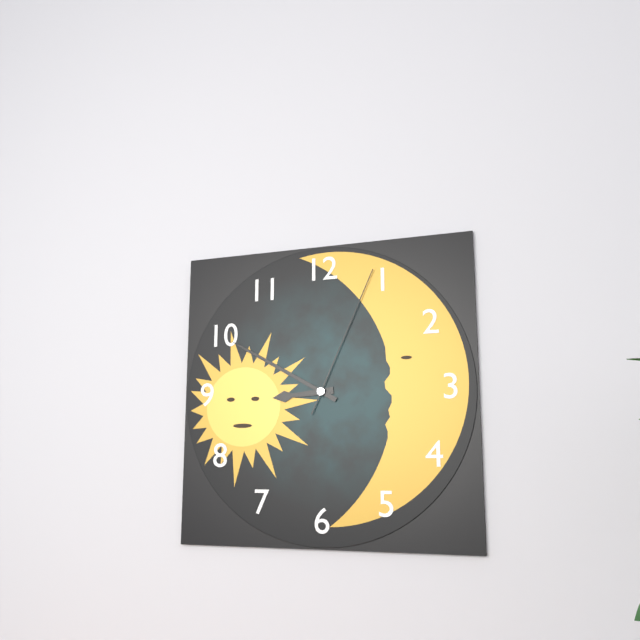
8,50,04
